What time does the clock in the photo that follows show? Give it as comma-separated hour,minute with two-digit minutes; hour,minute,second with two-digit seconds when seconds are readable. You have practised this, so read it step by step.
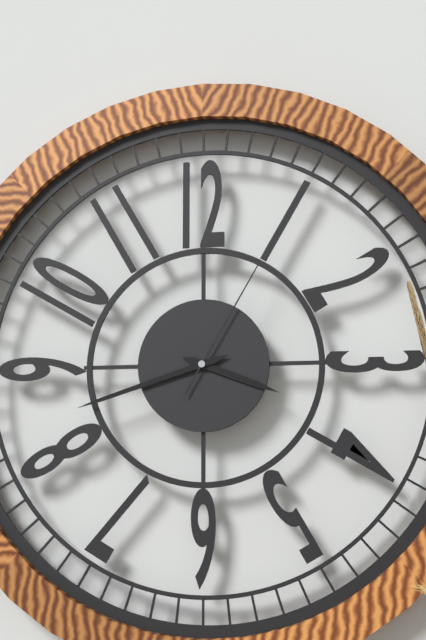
3,42,05
